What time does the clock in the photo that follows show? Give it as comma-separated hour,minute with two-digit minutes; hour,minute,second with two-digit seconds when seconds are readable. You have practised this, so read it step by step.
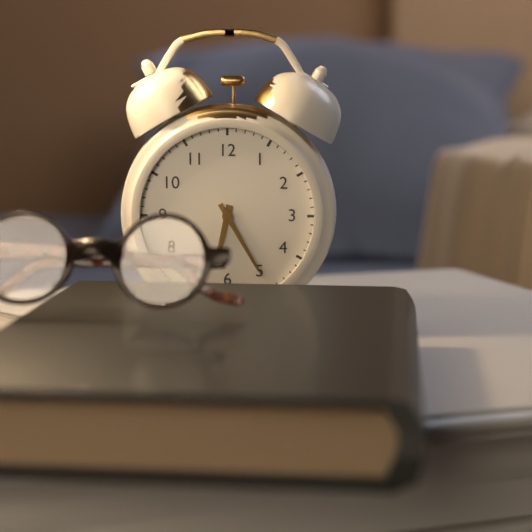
6,25
